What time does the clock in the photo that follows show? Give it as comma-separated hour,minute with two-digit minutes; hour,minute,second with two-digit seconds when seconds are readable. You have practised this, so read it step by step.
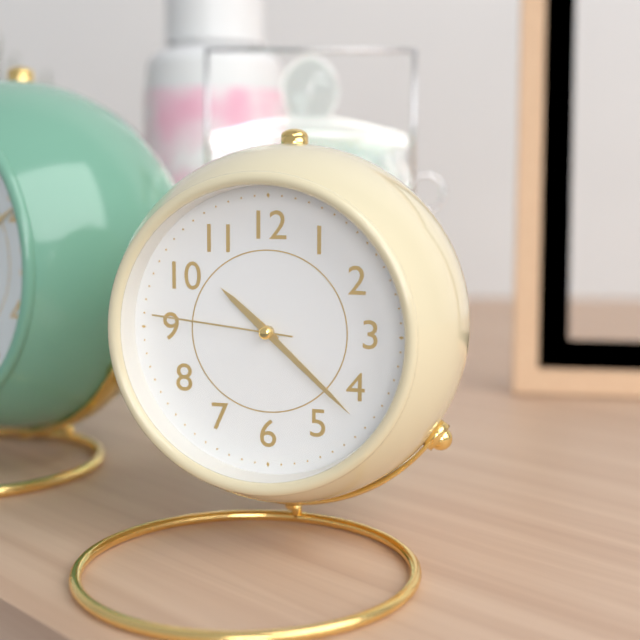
10,22,46
